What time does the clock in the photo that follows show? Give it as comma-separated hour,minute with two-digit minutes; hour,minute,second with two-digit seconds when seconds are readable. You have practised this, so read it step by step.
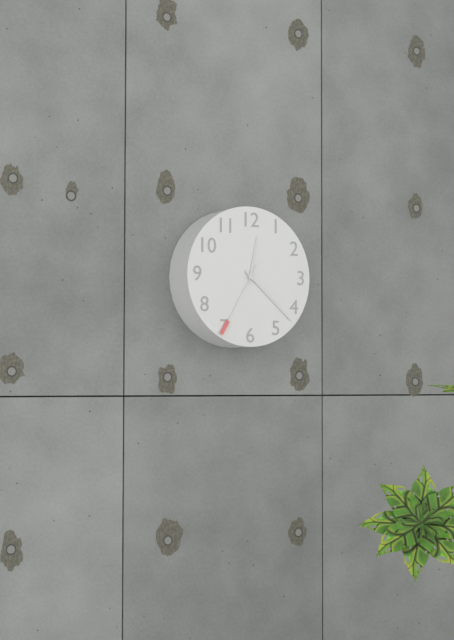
12,22,35
